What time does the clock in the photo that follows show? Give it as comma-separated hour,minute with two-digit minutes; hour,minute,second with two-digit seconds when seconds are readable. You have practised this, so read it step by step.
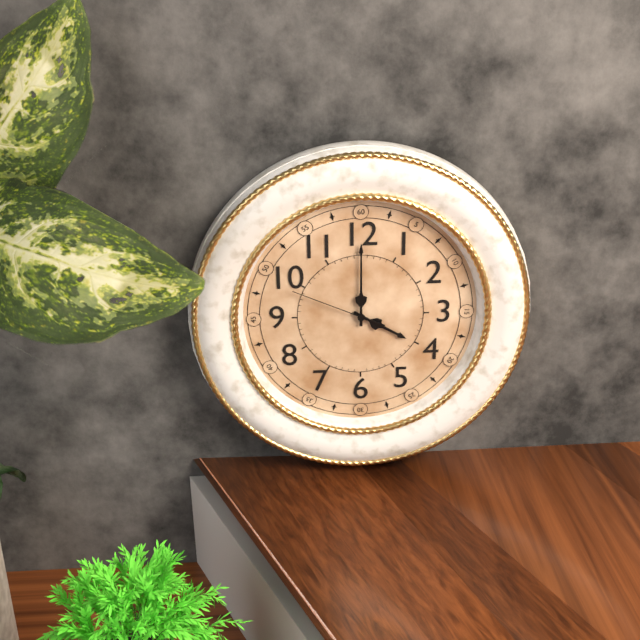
4,00,49
